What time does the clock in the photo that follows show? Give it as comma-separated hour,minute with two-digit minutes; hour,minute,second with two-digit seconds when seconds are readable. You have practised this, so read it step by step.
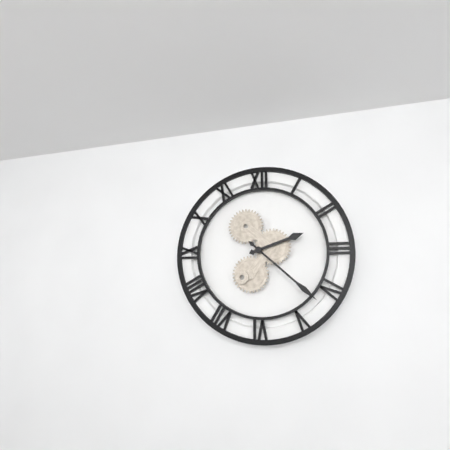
2,22
